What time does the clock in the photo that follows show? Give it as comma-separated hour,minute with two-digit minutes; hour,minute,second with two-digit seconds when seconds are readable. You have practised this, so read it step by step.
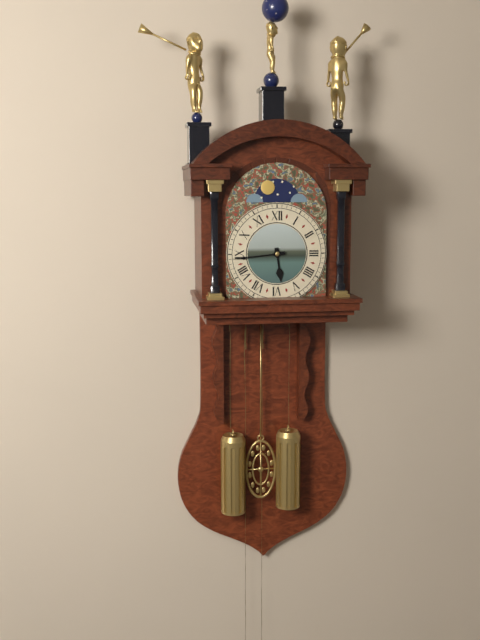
5,44
